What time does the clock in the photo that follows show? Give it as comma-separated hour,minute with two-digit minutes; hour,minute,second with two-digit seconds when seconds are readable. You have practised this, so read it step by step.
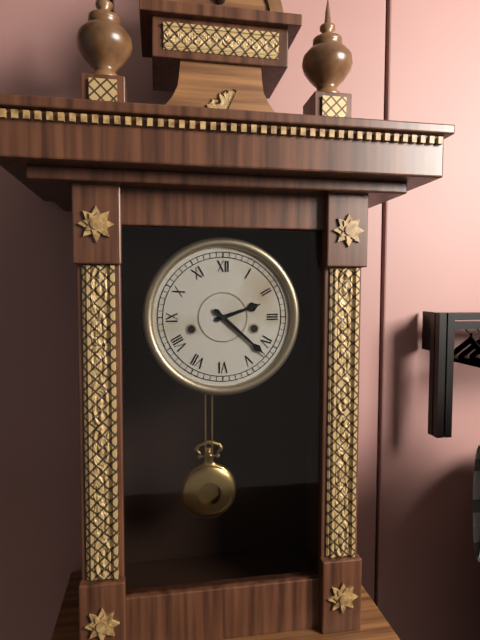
2,22
